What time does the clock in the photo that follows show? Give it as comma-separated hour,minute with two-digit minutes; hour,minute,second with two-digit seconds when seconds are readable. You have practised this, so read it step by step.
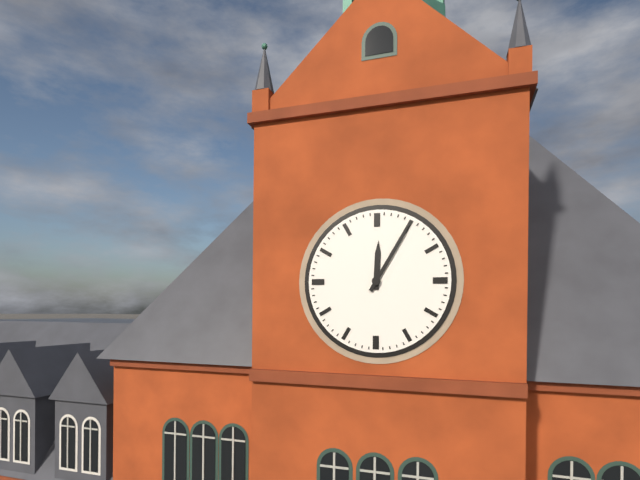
12,05
